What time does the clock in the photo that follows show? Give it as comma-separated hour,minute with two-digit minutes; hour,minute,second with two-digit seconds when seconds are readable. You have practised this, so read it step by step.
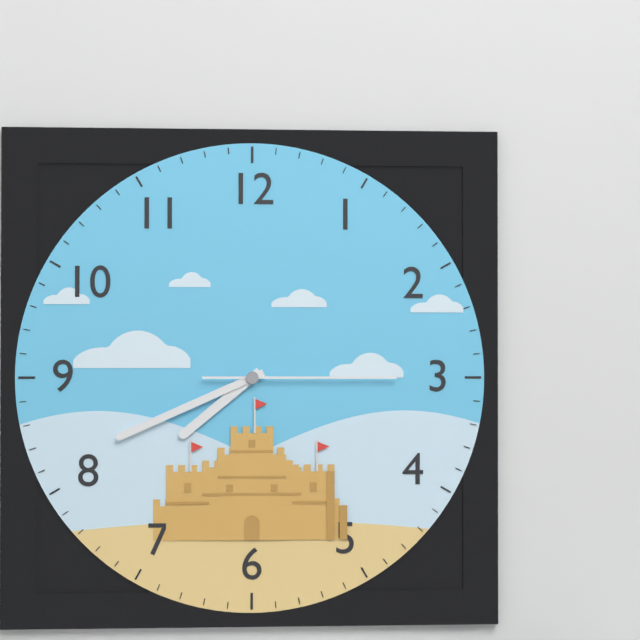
7,41,15
